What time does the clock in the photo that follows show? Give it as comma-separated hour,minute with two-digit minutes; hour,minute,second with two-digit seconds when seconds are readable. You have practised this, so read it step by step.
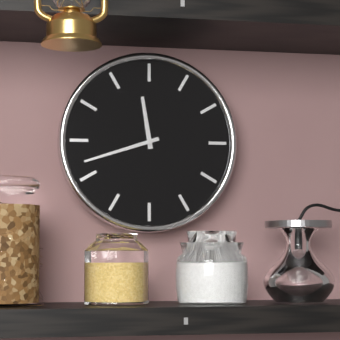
11,42
